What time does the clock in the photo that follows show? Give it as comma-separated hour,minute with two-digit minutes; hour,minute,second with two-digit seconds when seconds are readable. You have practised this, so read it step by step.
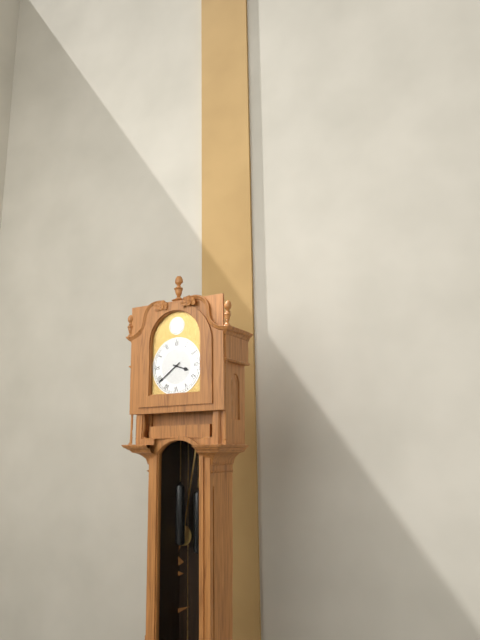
3,39
